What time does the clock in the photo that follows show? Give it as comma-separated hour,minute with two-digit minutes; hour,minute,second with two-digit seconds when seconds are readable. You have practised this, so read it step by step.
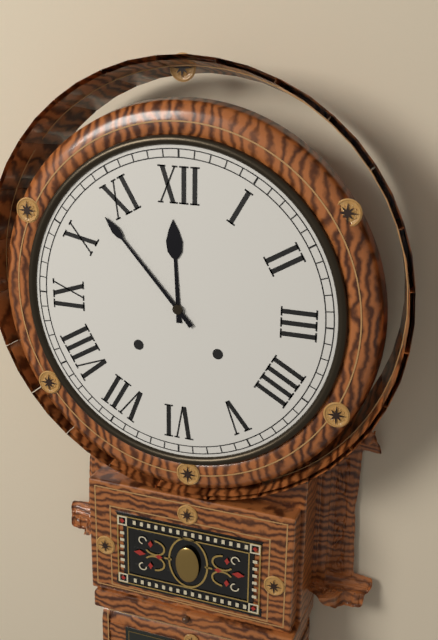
11,53
